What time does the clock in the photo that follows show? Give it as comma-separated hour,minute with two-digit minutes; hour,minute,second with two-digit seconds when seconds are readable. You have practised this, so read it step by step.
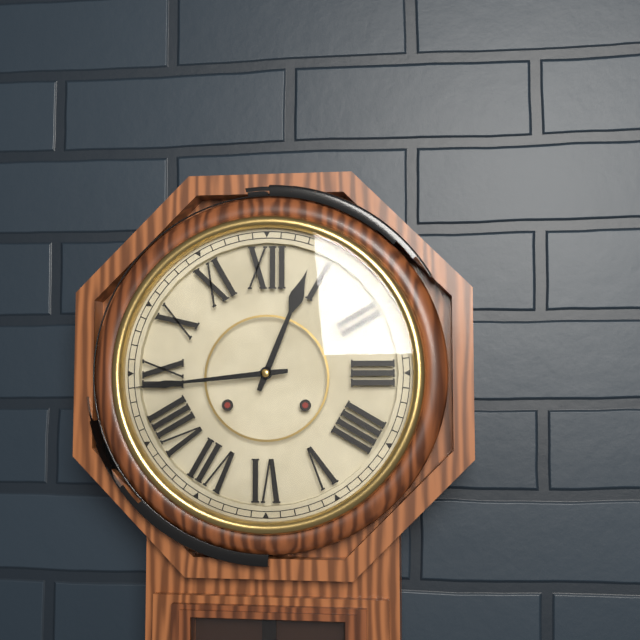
12,44
